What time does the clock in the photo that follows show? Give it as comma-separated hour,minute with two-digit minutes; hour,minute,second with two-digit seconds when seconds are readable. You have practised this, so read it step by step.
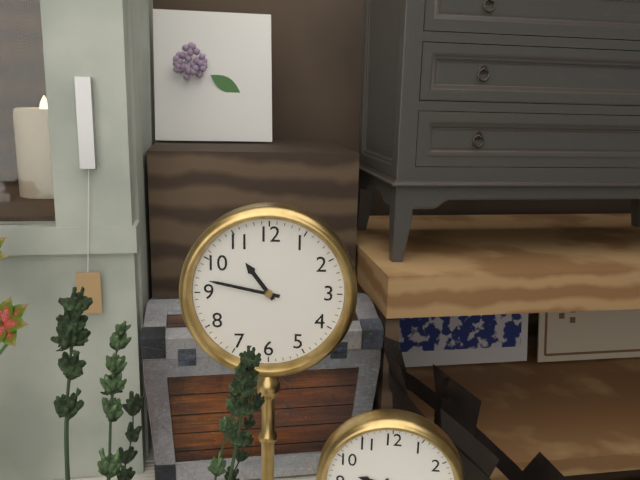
10,47
